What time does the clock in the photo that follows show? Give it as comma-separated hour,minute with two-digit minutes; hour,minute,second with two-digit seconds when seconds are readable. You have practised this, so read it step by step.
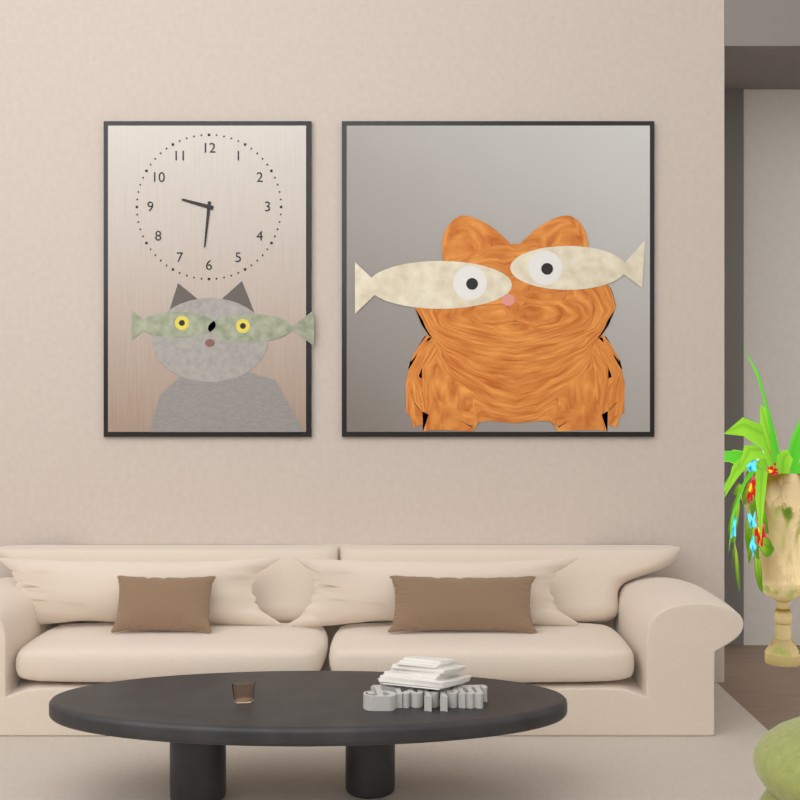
9,31
